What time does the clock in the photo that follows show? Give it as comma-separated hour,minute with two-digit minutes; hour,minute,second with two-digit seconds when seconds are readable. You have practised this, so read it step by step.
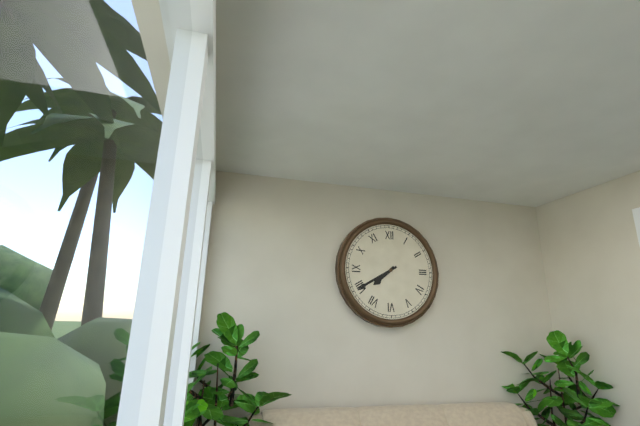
7,40
